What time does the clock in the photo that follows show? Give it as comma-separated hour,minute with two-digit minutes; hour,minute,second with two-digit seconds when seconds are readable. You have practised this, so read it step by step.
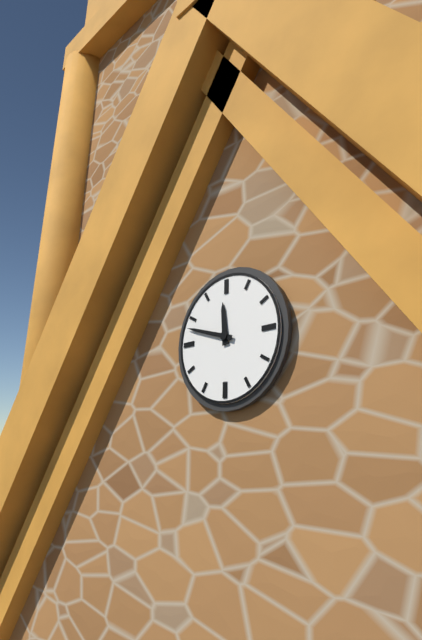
11,48
